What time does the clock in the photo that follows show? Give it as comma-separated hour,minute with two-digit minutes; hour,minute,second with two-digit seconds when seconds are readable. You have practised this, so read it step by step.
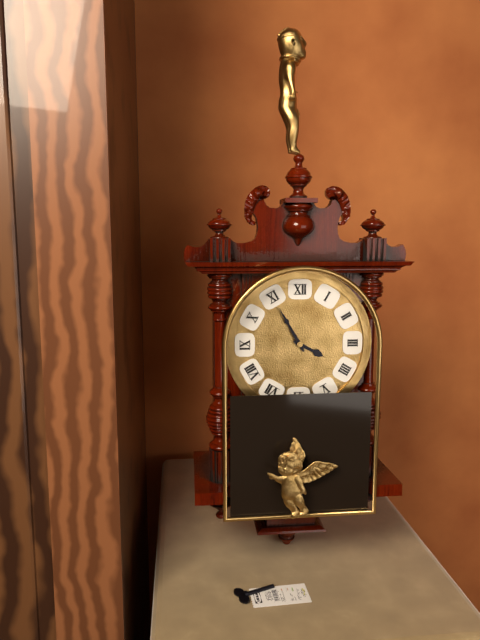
3,55
